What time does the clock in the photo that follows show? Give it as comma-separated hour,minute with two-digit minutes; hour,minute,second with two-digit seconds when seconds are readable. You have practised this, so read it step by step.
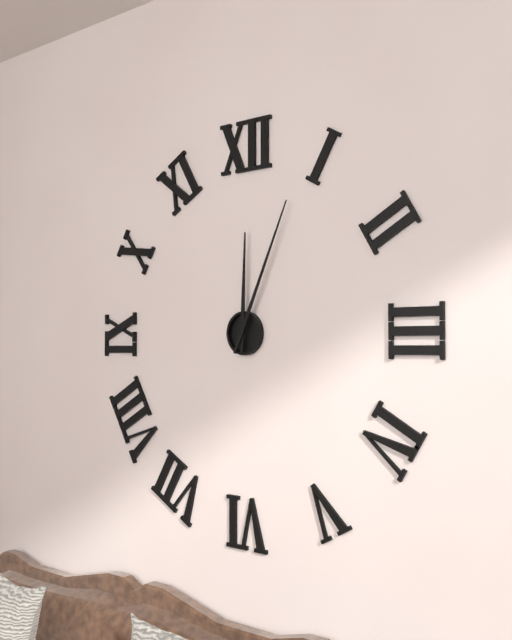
12,04
